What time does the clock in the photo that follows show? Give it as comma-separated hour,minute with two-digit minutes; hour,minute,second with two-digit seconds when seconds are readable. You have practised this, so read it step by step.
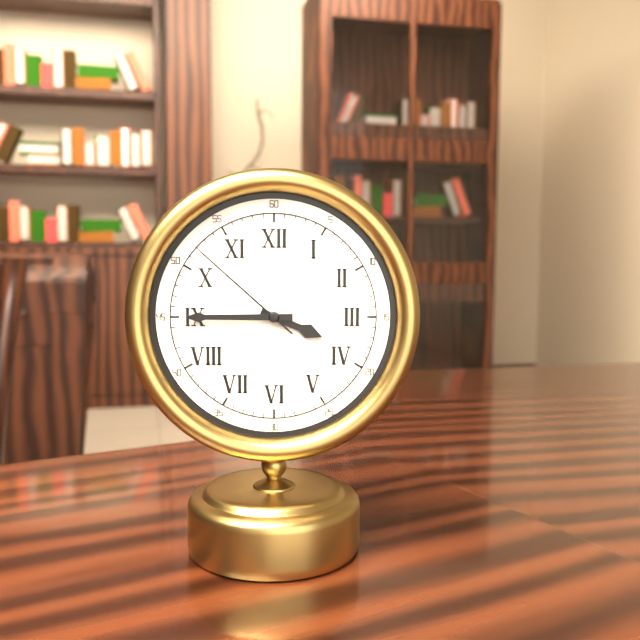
3,45,52
